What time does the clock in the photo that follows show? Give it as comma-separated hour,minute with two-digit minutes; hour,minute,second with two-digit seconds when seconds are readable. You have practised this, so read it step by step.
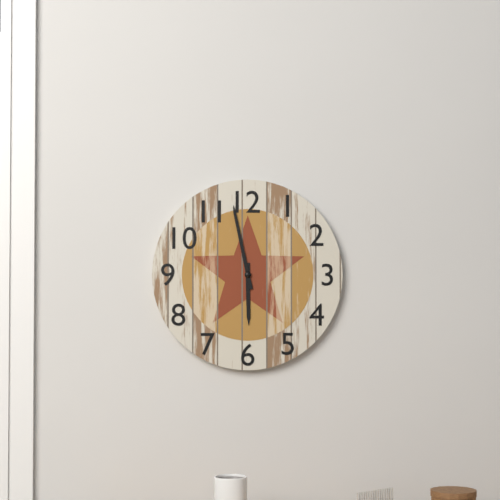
5,58
